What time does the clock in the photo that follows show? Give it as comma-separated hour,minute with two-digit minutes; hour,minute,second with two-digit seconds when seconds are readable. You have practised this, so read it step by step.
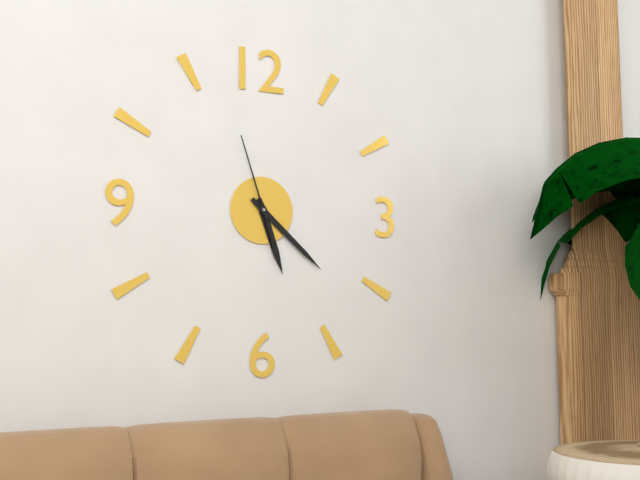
5,22,57
